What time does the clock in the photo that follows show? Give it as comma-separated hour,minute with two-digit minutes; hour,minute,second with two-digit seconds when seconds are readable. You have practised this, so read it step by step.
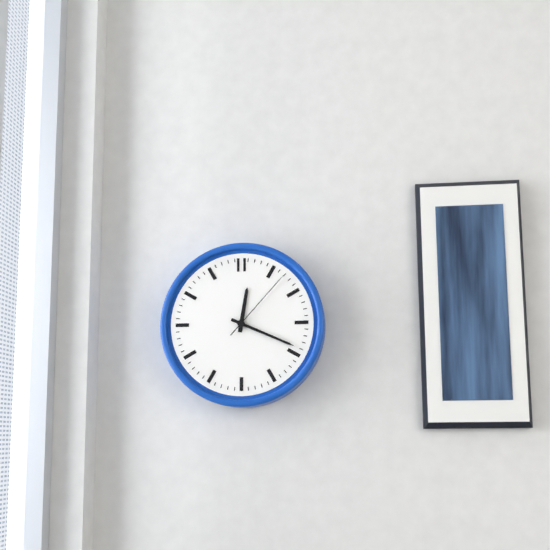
12,19,07
